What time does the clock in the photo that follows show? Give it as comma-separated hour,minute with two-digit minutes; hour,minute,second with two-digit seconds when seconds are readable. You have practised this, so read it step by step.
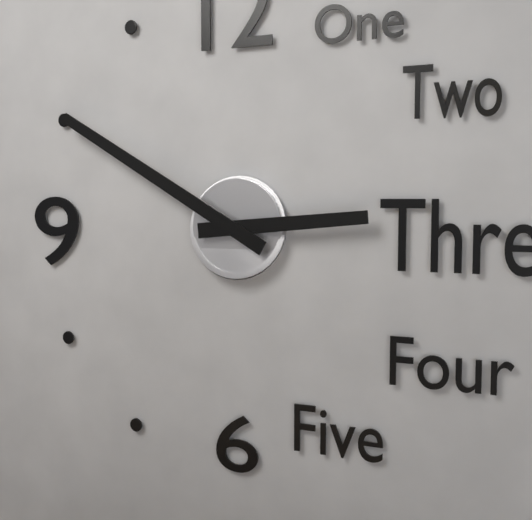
2,50
